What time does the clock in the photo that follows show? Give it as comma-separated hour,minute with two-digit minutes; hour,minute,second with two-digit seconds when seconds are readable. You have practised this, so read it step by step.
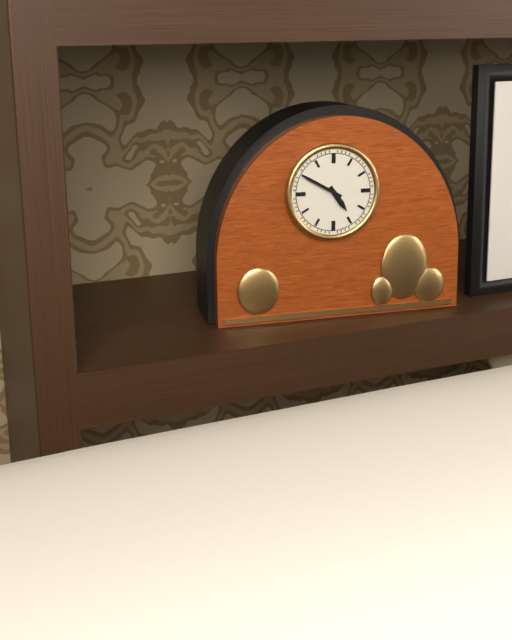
4,50
